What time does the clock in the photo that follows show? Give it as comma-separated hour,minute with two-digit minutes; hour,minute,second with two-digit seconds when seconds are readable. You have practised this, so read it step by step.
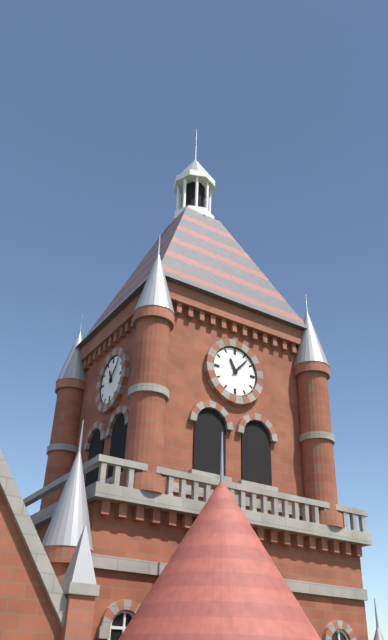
11,07
